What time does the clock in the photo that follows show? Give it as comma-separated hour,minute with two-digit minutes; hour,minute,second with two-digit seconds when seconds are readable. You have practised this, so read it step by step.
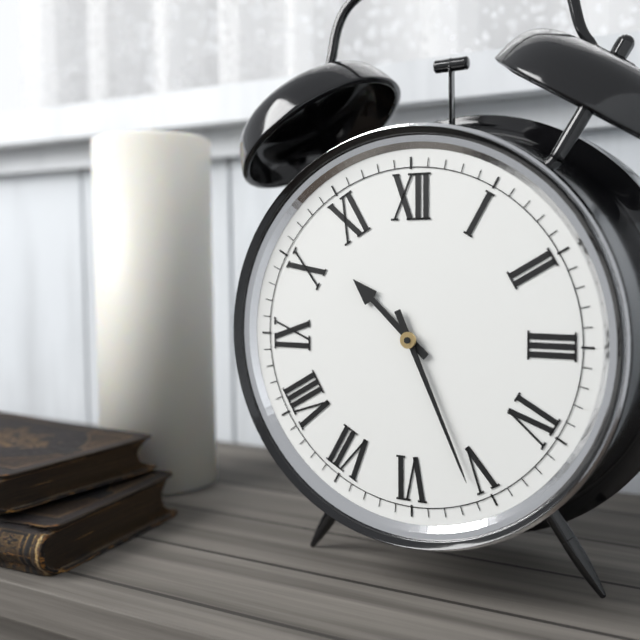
10,26
